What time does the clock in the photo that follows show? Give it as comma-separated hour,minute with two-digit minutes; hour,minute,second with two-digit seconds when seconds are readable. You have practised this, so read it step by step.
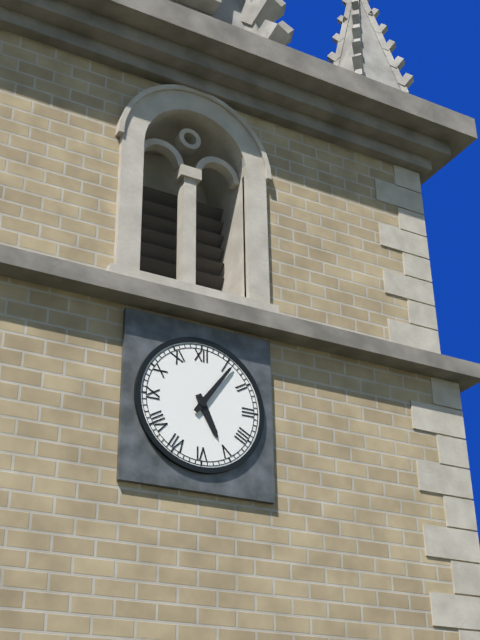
5,06
